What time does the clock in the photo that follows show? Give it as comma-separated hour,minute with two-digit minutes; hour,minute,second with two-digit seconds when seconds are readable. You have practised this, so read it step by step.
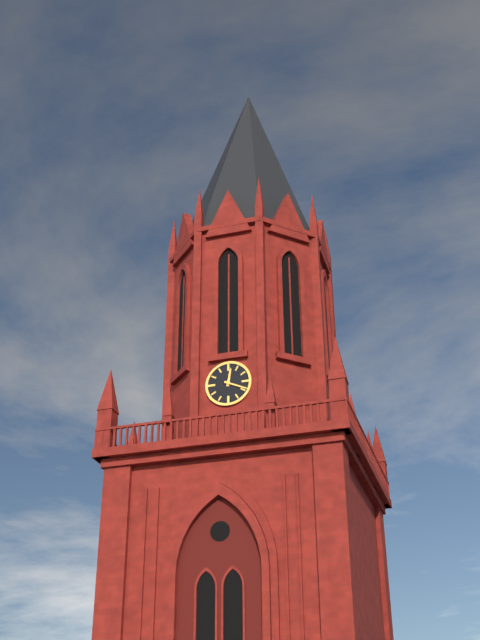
12,19
